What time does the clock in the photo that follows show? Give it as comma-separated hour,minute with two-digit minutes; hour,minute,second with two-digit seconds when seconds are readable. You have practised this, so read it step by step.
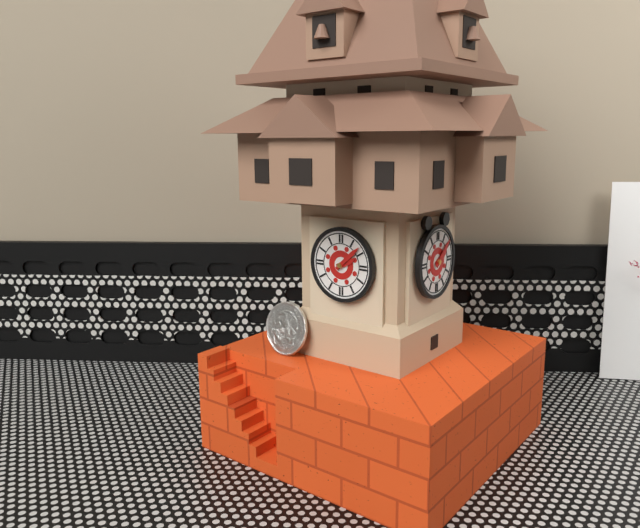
2,08
